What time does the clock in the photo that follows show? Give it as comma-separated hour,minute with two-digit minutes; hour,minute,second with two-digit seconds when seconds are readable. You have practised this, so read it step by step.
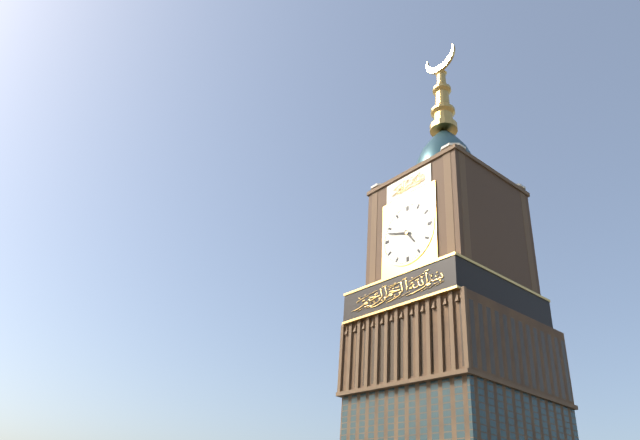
4,48
